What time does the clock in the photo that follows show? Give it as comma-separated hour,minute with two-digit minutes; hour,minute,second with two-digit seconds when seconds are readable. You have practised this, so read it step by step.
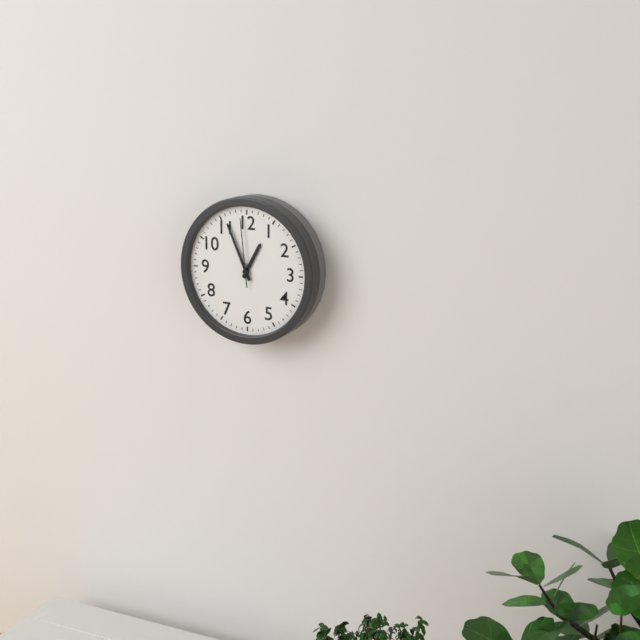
12,56,59
